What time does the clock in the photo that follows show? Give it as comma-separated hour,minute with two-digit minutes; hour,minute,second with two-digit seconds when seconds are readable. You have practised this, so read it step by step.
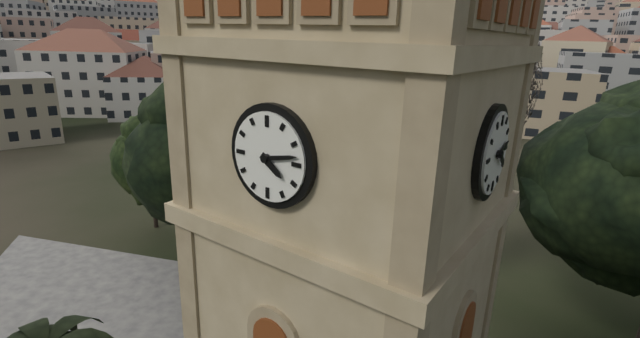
4,13
